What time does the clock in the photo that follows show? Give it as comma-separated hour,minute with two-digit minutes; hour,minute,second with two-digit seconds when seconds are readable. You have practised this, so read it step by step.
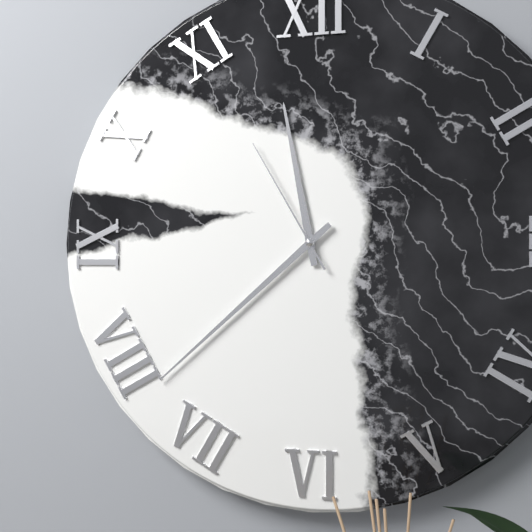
11,38,55
